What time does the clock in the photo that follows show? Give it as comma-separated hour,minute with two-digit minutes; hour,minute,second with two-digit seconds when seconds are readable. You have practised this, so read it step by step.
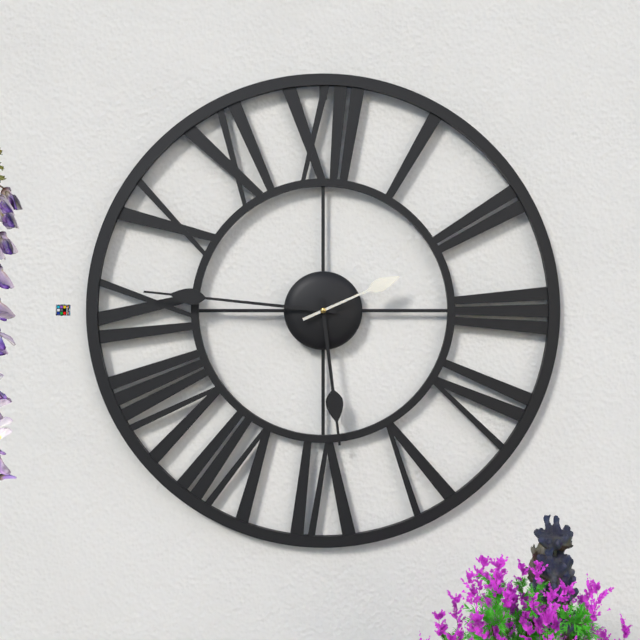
5,46,11
